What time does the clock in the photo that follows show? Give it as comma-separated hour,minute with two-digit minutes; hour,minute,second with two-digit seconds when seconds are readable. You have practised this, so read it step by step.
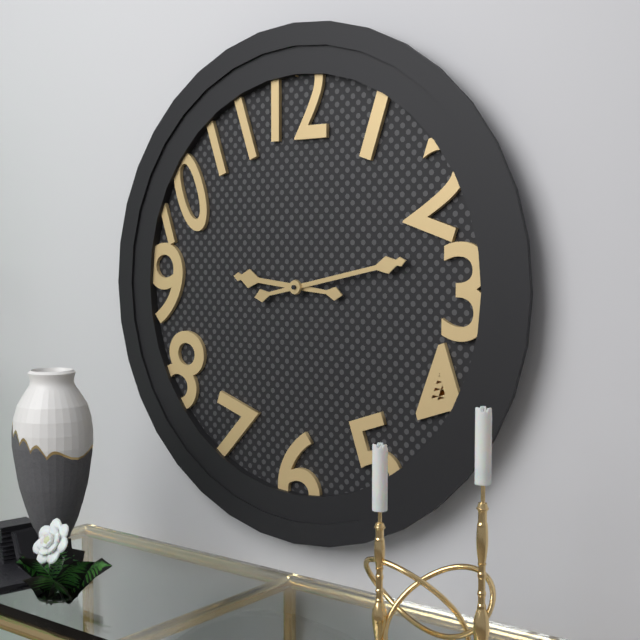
9,13
